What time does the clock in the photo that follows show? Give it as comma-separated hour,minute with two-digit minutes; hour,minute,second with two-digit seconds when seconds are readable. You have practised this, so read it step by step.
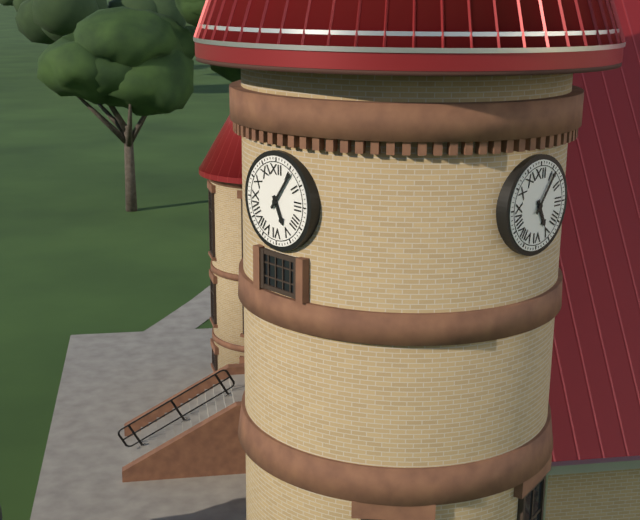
5,06
